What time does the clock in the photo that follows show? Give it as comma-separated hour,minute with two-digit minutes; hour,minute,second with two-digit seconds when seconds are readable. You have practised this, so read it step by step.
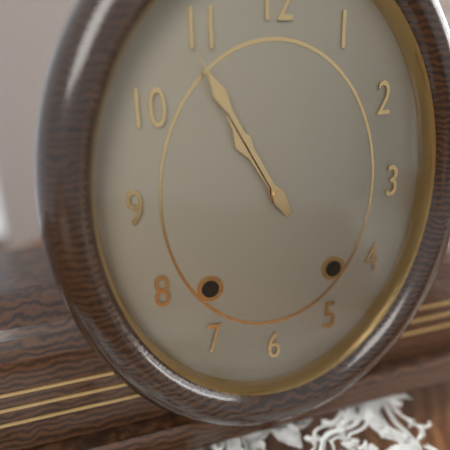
10,55
